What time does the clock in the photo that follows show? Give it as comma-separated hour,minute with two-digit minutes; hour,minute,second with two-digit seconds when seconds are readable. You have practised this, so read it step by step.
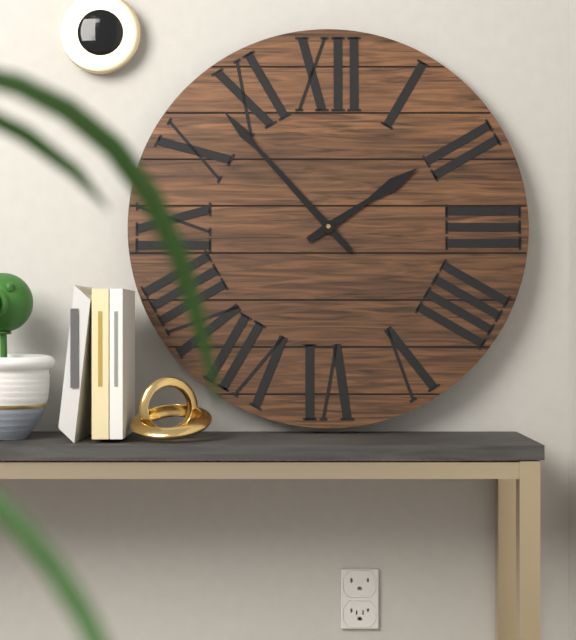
1,53
